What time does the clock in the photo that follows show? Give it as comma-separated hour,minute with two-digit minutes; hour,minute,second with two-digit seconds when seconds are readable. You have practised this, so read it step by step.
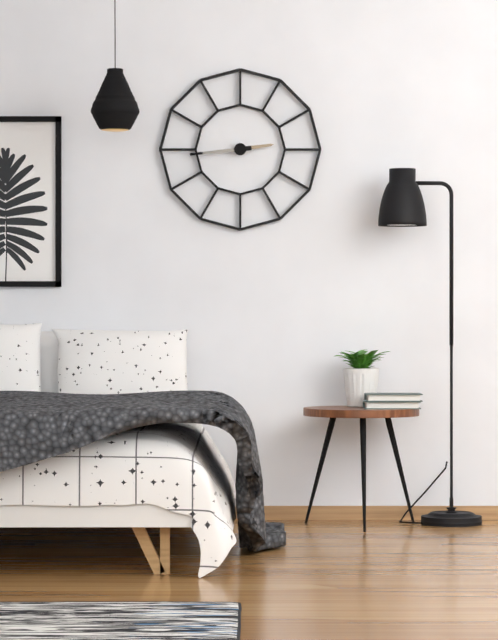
2,44
